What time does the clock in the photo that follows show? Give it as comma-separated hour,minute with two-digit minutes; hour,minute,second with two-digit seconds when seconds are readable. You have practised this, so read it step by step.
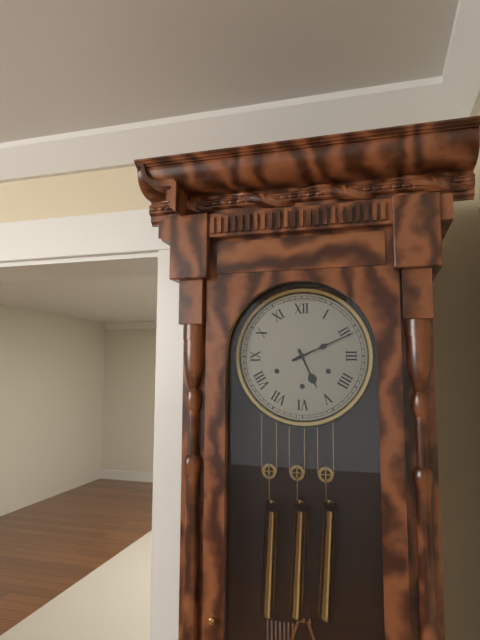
5,11
